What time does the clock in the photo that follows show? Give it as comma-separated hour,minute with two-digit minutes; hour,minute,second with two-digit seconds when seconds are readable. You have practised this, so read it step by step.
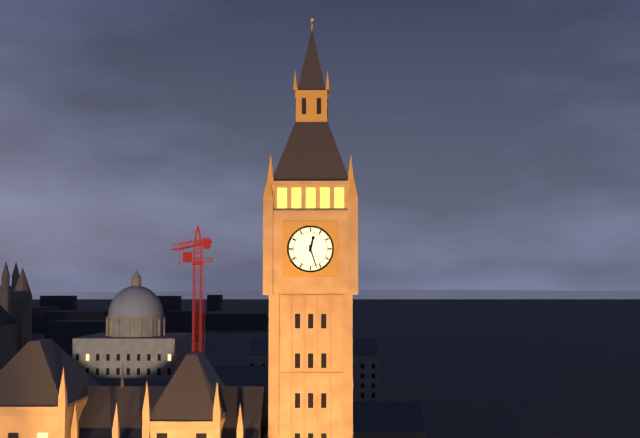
12,27
